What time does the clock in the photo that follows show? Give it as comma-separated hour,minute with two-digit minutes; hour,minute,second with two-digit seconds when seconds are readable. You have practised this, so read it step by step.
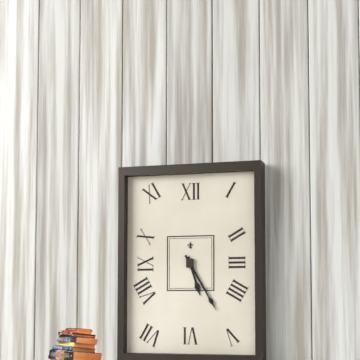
5,25
